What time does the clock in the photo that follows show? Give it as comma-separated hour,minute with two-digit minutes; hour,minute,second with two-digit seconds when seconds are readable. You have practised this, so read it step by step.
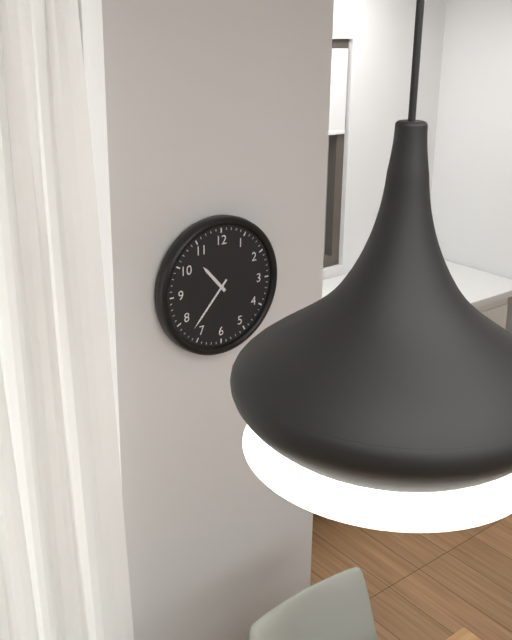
10,37
